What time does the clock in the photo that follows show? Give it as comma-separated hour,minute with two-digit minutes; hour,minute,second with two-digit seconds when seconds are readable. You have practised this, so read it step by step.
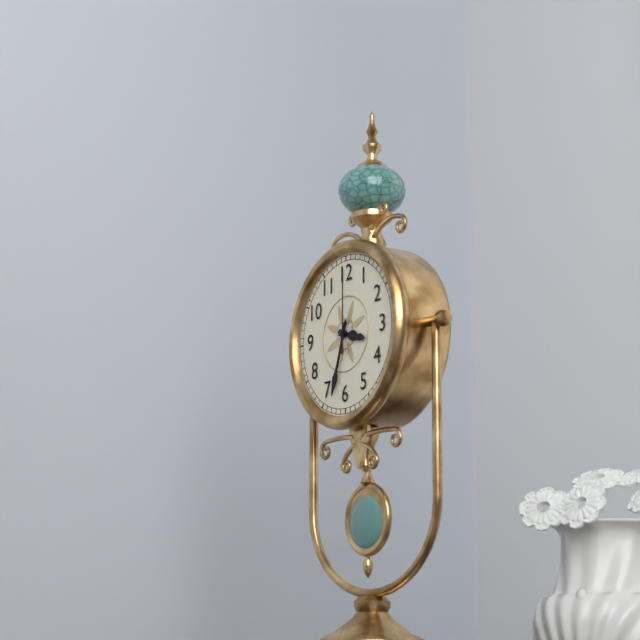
3,33,00
